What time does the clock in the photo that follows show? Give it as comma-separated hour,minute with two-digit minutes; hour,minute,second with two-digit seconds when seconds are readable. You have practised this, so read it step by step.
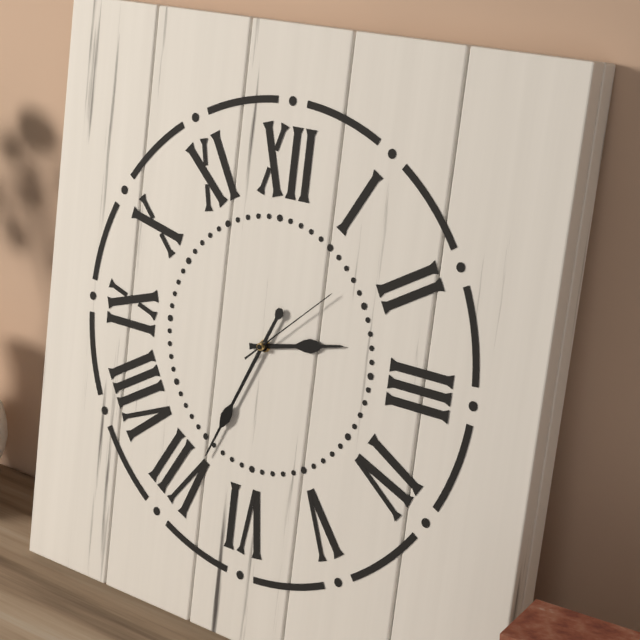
2,34,08
